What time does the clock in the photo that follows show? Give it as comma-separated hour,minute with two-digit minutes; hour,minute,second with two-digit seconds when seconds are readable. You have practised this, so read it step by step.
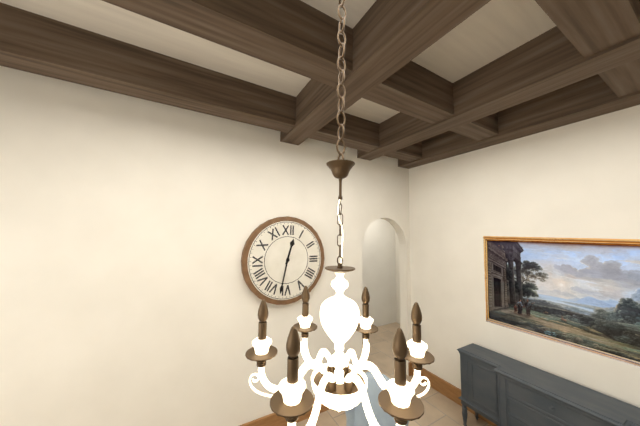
12,32
